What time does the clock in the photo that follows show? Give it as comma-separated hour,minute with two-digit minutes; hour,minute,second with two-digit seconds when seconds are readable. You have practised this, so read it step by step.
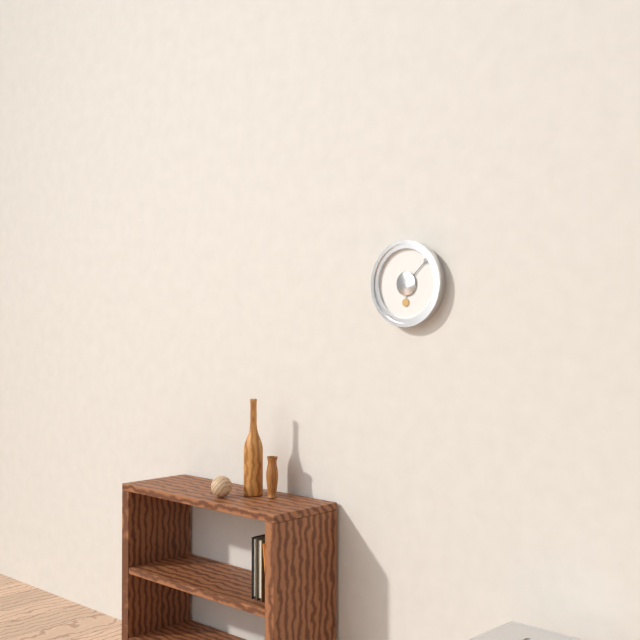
6,08
